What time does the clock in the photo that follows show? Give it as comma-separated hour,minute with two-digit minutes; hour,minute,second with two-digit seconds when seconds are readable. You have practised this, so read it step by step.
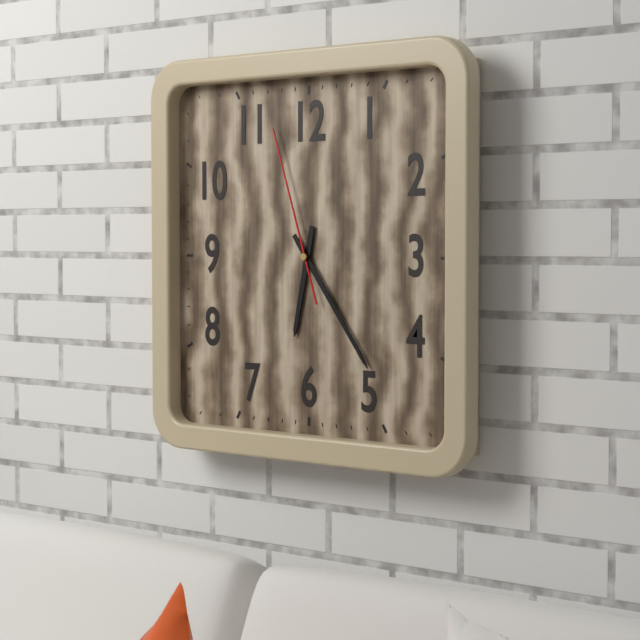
6,24,57
